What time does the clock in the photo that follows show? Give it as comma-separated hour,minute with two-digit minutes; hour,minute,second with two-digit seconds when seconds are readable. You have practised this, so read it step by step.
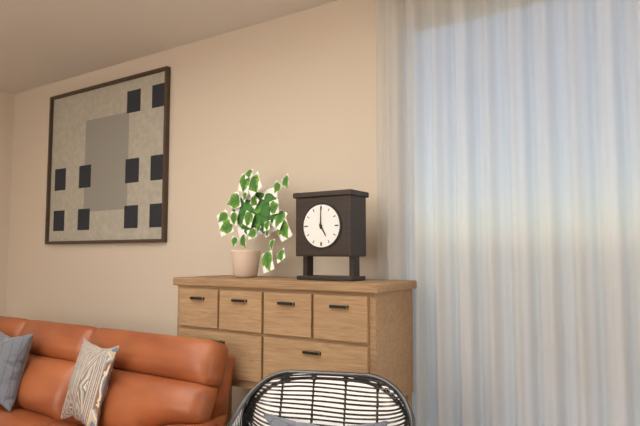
5,00
